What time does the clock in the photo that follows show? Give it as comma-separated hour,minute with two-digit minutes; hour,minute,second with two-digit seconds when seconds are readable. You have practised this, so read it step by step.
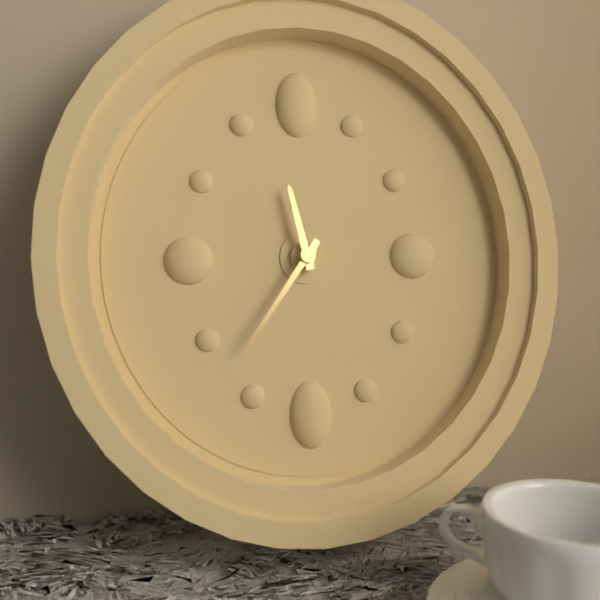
11,36
